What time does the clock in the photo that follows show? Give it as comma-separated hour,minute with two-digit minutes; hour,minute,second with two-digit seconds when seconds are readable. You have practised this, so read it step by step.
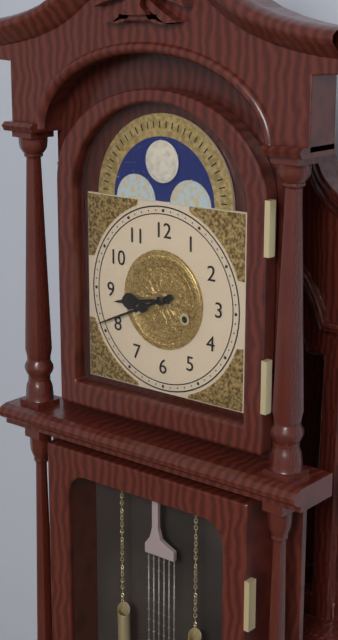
8,41
